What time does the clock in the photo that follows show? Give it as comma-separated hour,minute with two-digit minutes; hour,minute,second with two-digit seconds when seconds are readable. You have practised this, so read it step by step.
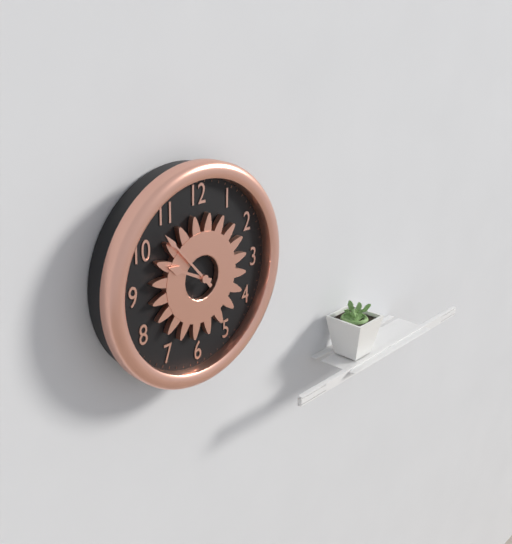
9,53
